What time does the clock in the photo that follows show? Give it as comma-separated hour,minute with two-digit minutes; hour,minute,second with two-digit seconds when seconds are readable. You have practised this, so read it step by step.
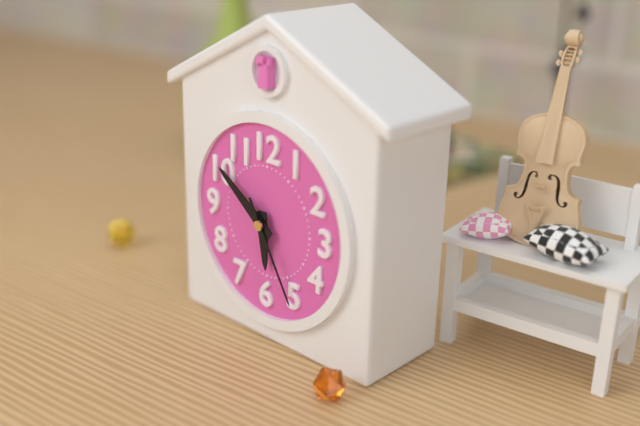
5,51,25
